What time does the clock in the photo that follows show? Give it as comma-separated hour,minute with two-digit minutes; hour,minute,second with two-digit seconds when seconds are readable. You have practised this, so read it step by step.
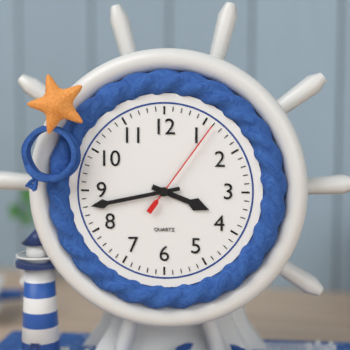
3,43,06
